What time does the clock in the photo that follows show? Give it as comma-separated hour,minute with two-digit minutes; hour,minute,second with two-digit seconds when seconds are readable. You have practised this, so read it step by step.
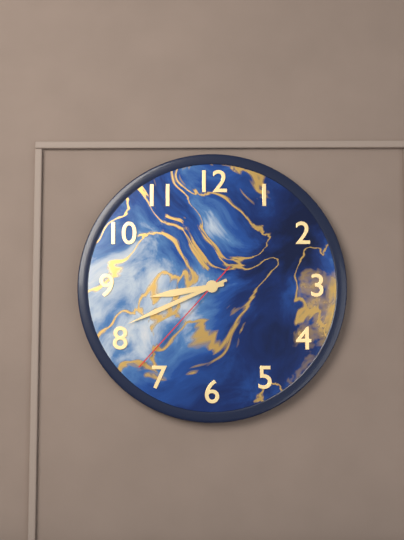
8,41,37
